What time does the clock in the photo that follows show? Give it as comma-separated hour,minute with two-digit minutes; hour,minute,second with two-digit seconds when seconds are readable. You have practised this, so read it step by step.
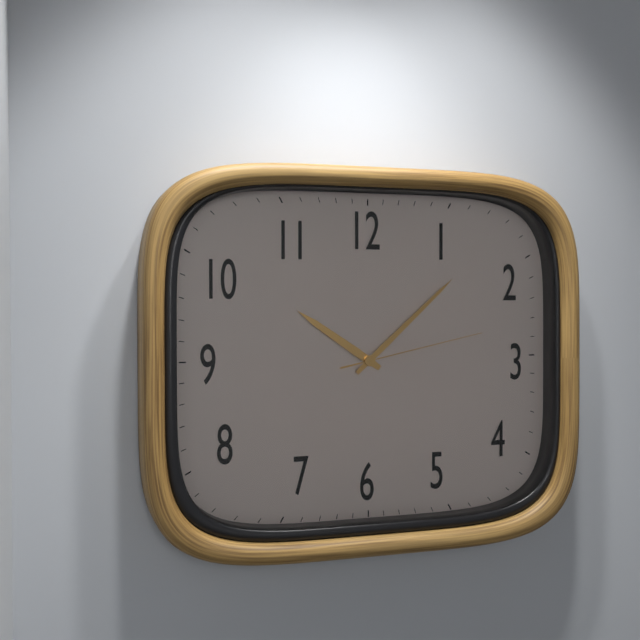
10,08,13
